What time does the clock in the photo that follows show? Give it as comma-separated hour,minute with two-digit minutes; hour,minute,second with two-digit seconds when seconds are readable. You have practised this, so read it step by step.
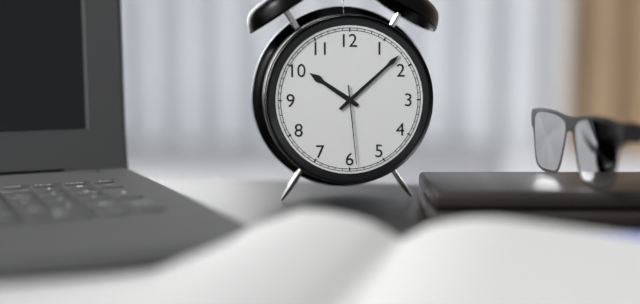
10,08,29
